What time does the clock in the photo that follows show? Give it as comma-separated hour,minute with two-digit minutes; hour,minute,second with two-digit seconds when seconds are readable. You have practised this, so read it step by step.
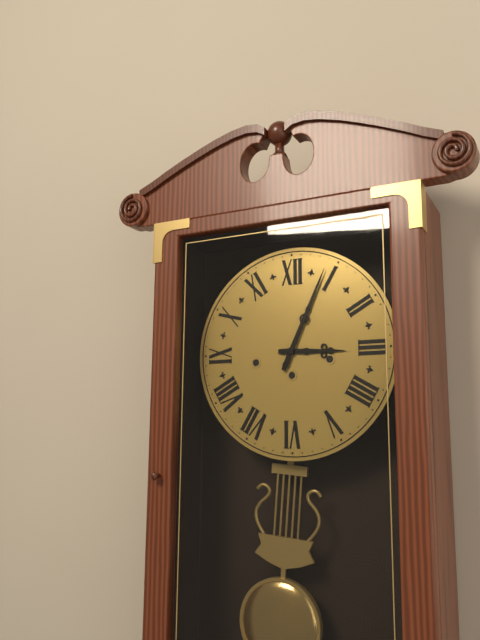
3,04
